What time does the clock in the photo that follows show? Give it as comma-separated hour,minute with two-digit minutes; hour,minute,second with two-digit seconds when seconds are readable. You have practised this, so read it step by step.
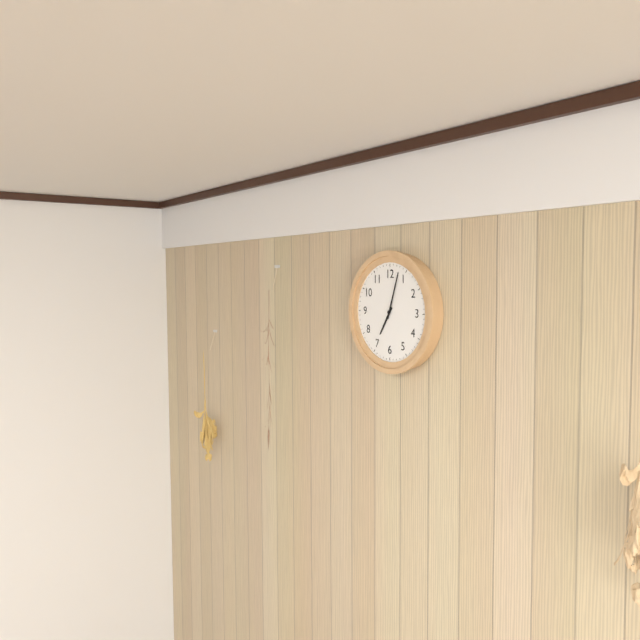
7,03
